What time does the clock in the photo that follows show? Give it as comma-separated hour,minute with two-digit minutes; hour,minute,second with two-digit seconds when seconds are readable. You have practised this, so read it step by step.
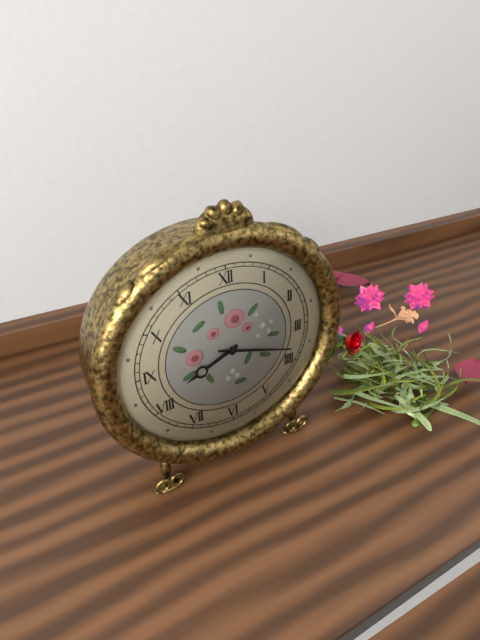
8,18
